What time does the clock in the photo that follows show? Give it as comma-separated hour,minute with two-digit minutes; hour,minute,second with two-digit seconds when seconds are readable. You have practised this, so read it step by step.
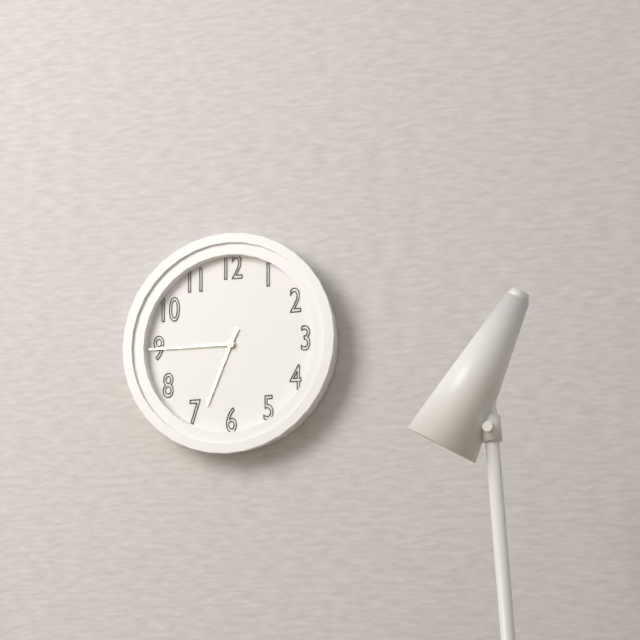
6,45
